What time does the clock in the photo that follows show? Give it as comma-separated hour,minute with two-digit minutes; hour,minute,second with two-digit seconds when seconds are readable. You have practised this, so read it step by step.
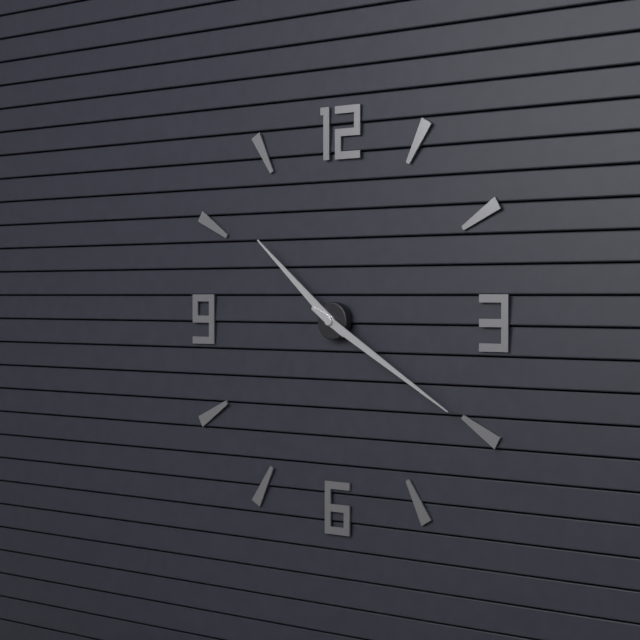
10,20
